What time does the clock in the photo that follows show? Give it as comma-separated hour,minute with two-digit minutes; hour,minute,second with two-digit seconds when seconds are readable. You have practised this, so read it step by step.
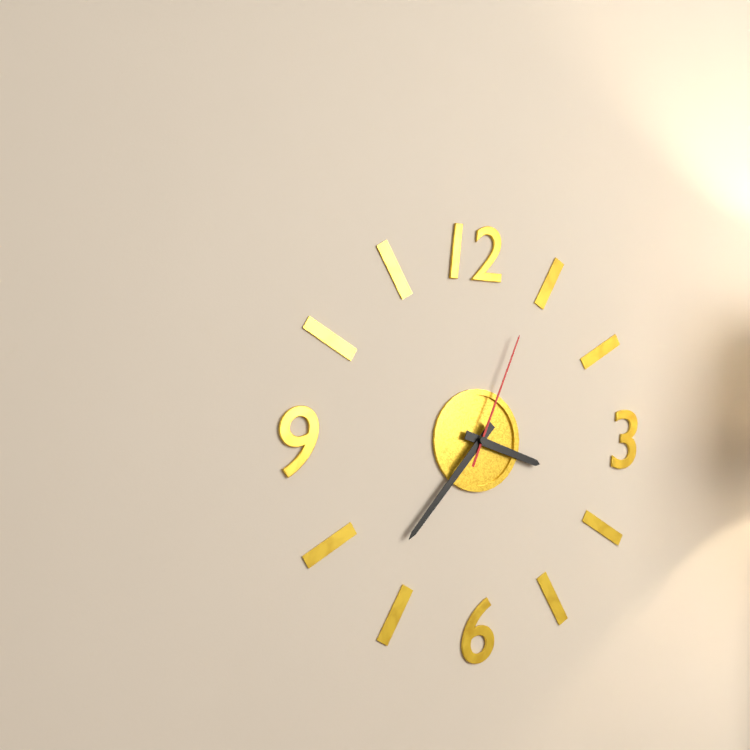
3,37,04
